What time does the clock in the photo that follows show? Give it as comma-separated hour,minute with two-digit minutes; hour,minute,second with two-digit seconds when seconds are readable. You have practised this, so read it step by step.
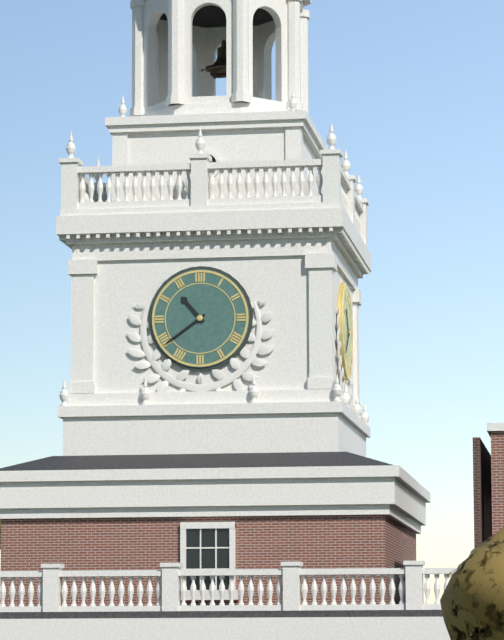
10,39
